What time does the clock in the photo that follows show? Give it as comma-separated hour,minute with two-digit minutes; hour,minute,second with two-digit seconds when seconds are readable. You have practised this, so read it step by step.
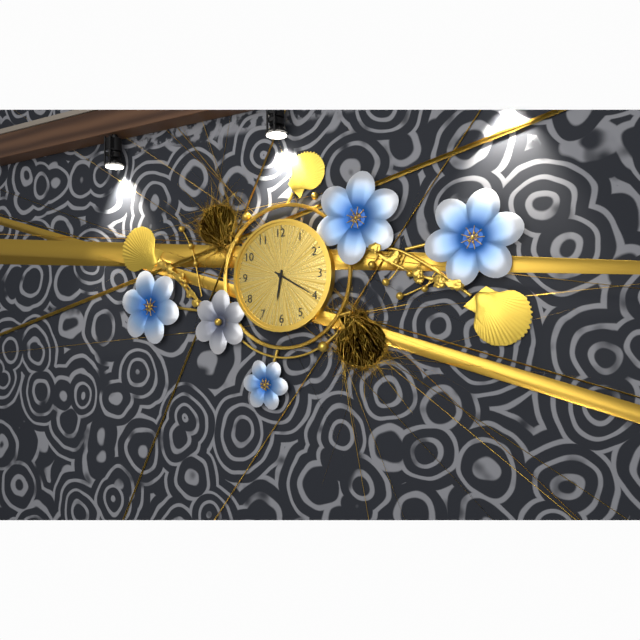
6,20
